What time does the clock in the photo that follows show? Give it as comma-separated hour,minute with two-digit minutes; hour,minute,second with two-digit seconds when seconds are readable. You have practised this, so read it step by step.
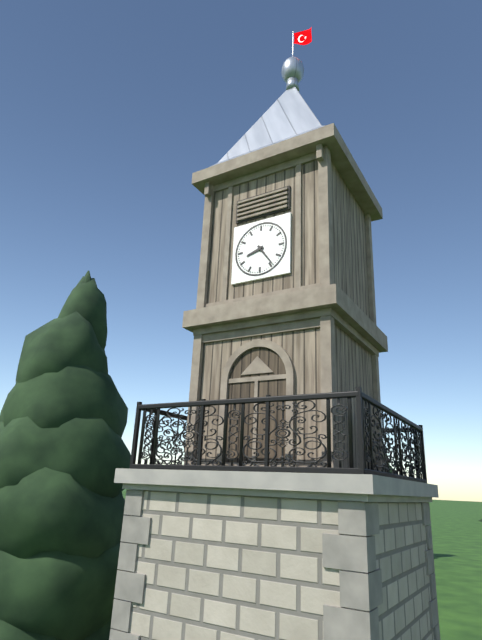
8,24
